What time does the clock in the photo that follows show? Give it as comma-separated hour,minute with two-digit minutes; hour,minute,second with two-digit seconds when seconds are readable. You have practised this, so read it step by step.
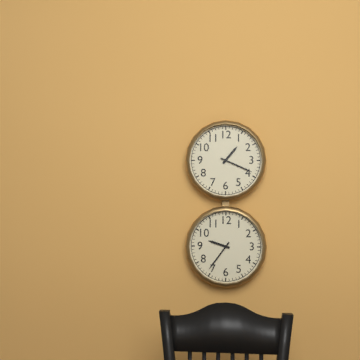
1,19
